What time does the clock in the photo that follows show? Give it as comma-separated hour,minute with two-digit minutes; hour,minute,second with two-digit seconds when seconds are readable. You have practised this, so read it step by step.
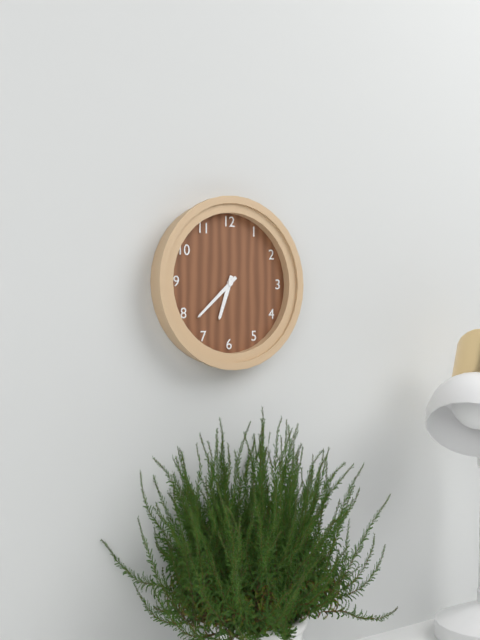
6,38
